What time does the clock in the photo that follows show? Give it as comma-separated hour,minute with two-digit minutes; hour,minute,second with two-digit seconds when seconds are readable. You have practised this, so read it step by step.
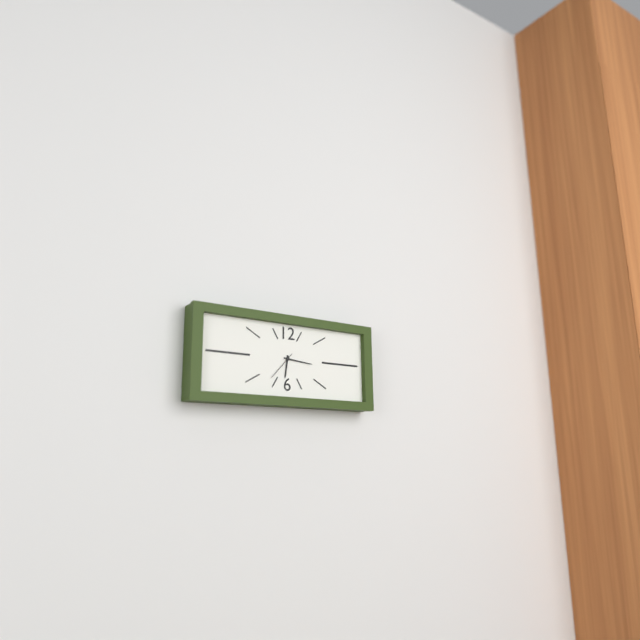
6,16
